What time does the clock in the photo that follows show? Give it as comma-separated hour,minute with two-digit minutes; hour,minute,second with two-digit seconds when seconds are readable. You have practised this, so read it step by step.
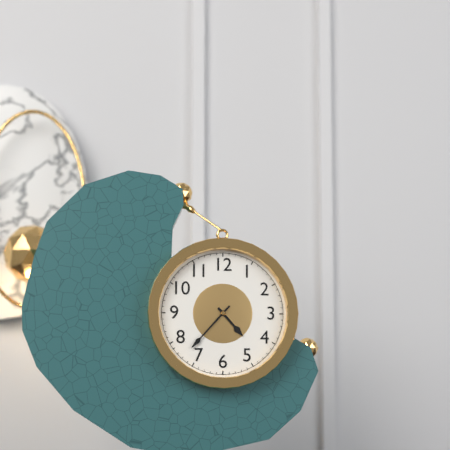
4,37
